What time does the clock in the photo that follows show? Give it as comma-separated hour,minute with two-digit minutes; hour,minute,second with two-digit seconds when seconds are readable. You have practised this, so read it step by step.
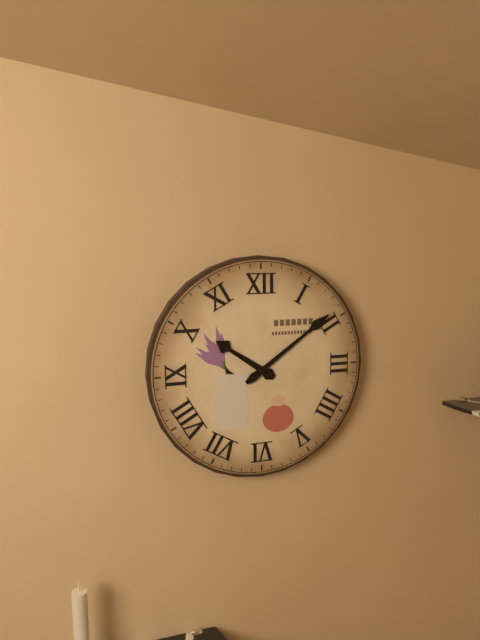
10,09
